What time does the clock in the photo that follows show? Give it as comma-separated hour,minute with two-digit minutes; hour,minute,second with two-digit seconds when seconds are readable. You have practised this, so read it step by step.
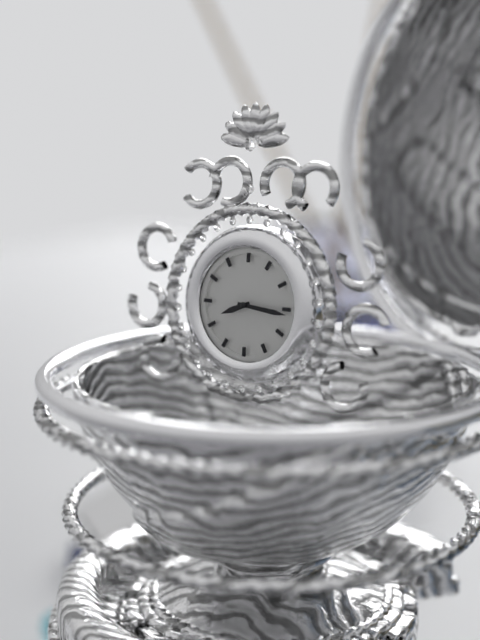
8,16
